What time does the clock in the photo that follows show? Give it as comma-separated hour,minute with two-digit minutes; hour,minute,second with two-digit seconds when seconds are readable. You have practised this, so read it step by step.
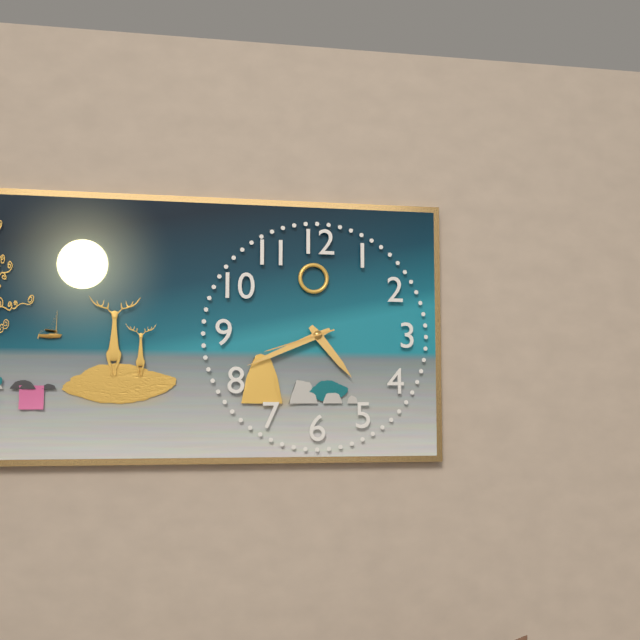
4,41,42
